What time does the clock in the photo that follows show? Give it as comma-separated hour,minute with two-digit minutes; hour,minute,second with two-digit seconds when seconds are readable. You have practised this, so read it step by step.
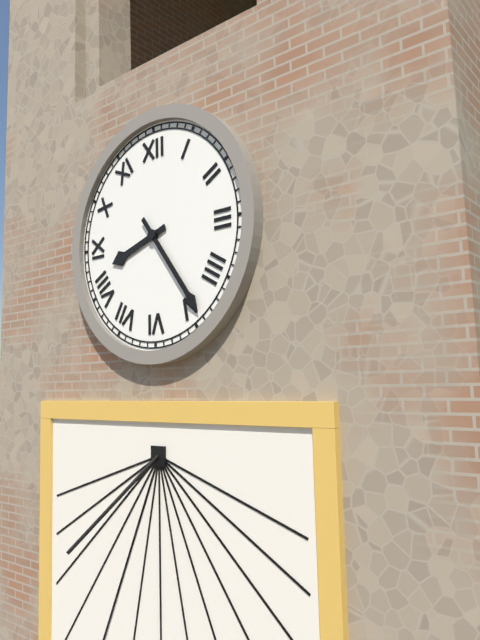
8,24
